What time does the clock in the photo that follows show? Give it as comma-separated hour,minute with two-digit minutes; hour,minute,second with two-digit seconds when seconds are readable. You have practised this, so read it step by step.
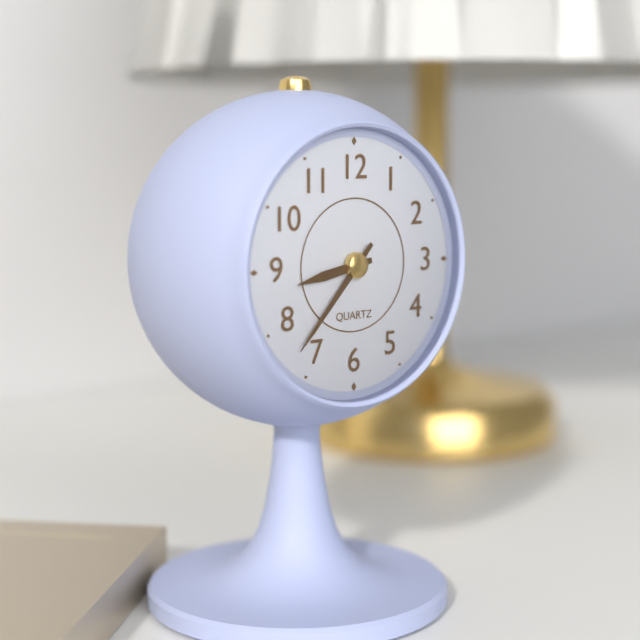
8,37
